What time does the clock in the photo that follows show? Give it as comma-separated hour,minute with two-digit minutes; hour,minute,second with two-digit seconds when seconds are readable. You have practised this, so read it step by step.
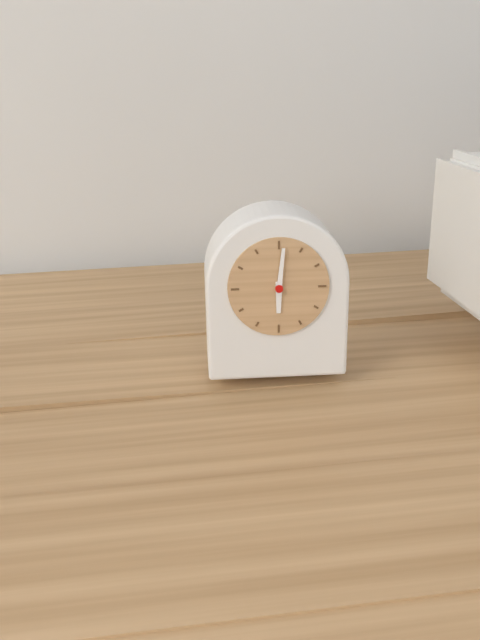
6,01
